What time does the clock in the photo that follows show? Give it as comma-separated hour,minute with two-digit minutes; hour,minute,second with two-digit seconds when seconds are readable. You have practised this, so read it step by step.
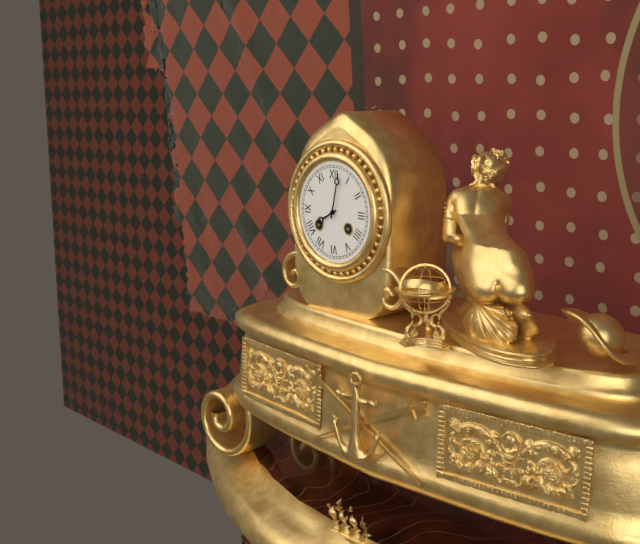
8,02
